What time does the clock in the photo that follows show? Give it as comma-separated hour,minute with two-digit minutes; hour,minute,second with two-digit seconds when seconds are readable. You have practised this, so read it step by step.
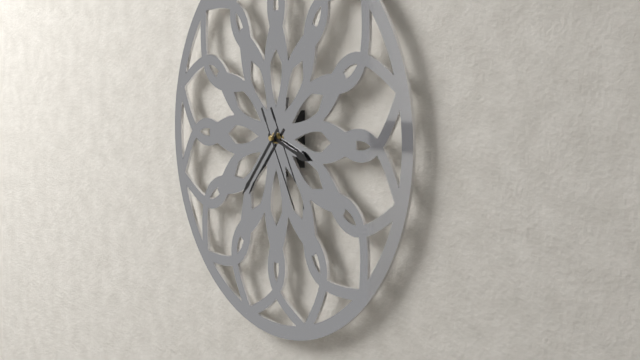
3,37,25
